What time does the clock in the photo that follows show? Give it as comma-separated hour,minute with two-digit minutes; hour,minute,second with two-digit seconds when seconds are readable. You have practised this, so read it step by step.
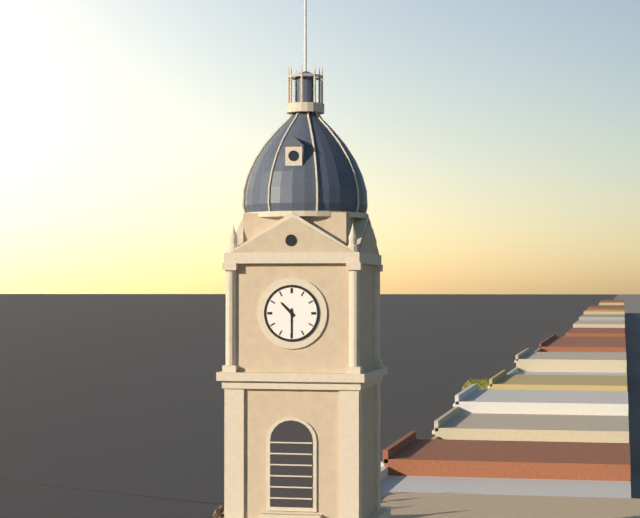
10,30
